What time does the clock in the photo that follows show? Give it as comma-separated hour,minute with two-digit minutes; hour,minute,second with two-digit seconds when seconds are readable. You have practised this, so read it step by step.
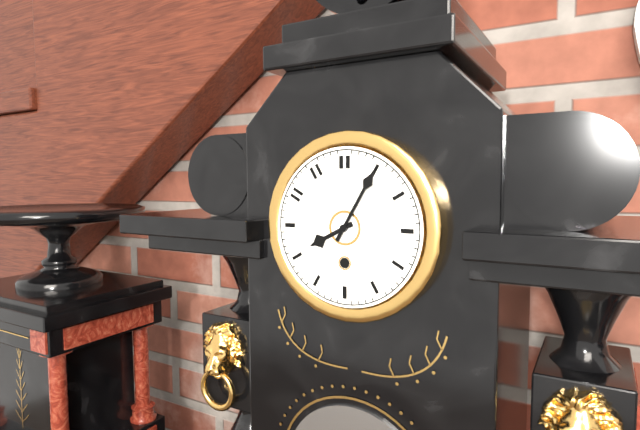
8,05
